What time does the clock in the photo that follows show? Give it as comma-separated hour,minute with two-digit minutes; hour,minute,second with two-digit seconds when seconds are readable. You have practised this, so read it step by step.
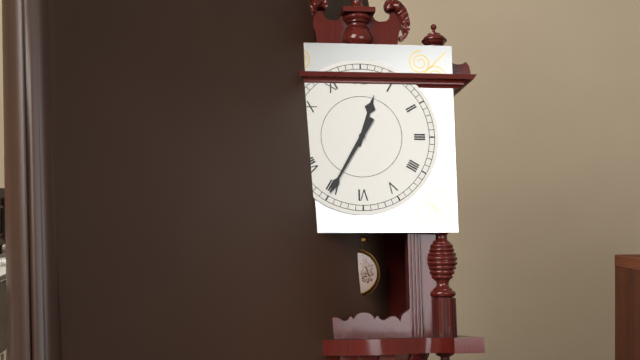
12,35
